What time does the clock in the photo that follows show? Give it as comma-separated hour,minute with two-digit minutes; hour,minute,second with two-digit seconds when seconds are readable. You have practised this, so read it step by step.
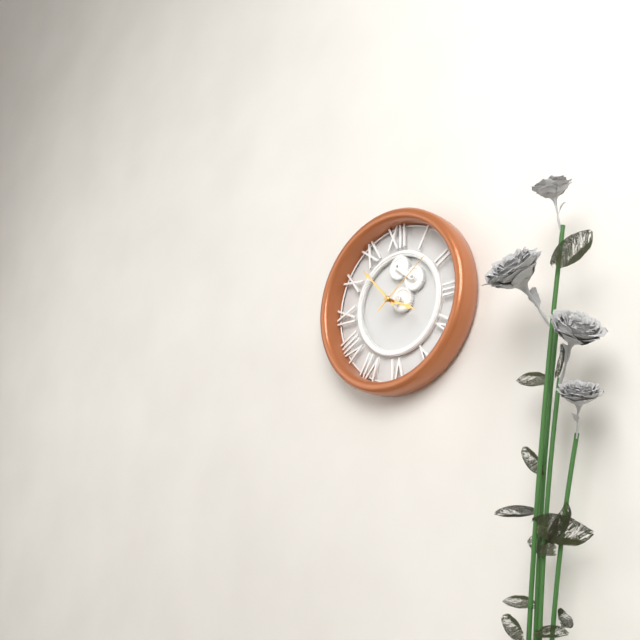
3,53,09
